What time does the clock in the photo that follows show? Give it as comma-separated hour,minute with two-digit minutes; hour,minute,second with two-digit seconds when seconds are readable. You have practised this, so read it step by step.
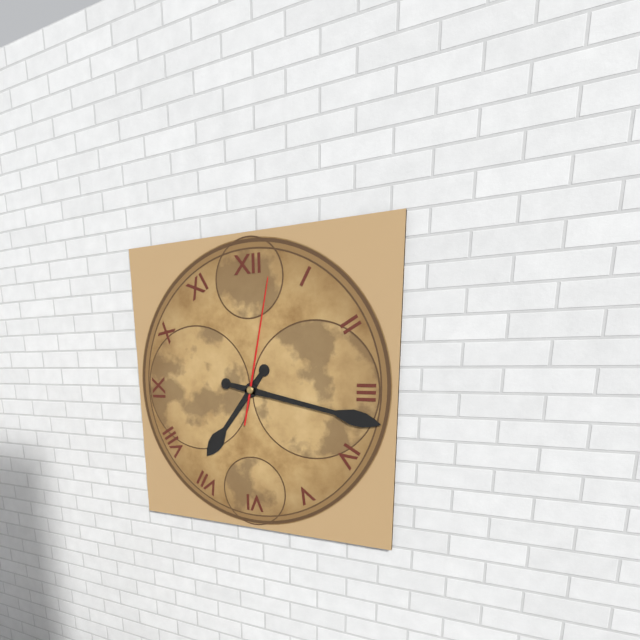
7,17,02
